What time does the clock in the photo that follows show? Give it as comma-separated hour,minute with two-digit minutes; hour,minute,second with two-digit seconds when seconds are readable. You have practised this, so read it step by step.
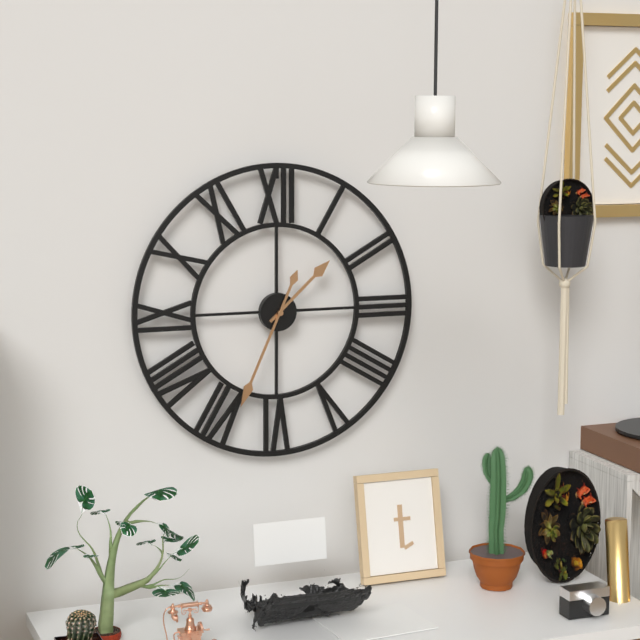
1,34
